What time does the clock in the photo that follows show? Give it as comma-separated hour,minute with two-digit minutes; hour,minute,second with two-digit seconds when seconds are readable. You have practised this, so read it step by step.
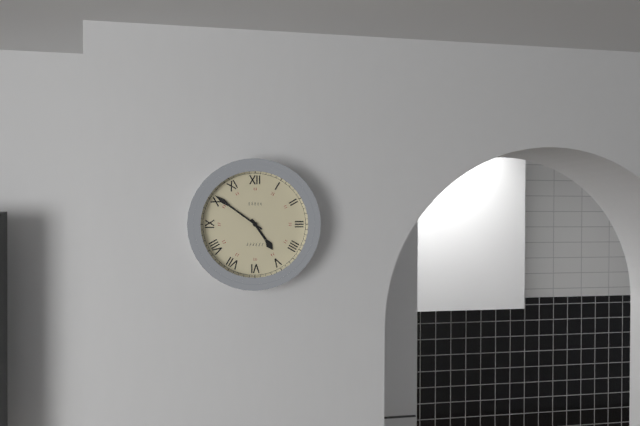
4,51
